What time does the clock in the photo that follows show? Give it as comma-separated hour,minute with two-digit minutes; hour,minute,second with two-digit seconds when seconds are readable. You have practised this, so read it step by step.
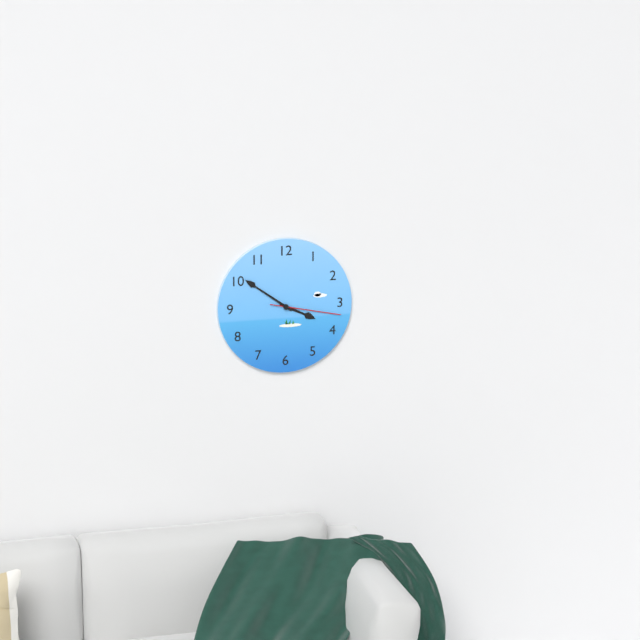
3,51,17
